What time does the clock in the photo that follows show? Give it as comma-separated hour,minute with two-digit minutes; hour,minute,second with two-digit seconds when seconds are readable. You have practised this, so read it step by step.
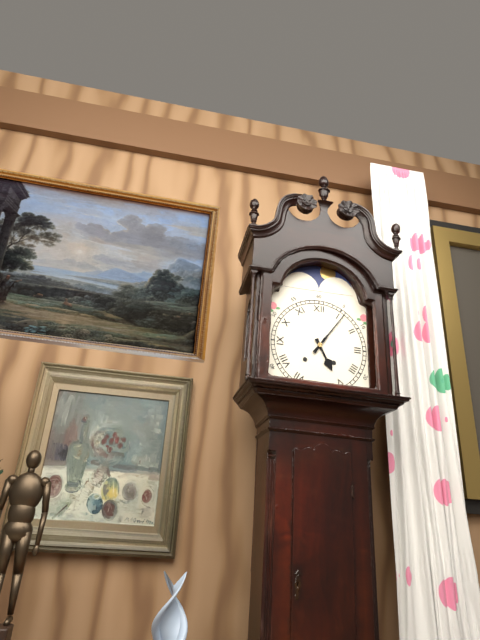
5,06
